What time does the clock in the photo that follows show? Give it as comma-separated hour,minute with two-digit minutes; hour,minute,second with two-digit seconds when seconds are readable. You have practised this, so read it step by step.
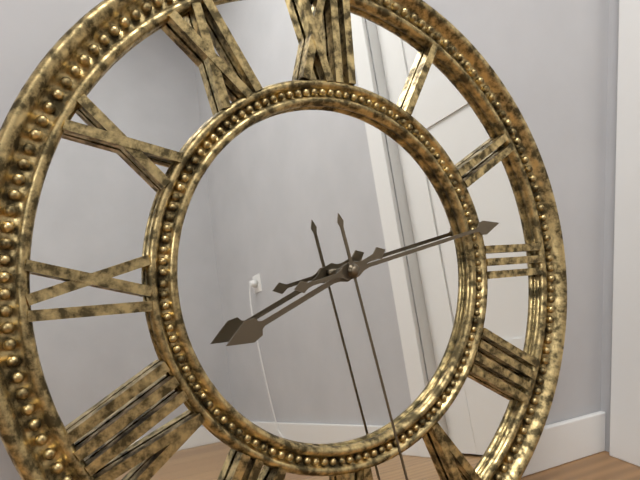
8,13
